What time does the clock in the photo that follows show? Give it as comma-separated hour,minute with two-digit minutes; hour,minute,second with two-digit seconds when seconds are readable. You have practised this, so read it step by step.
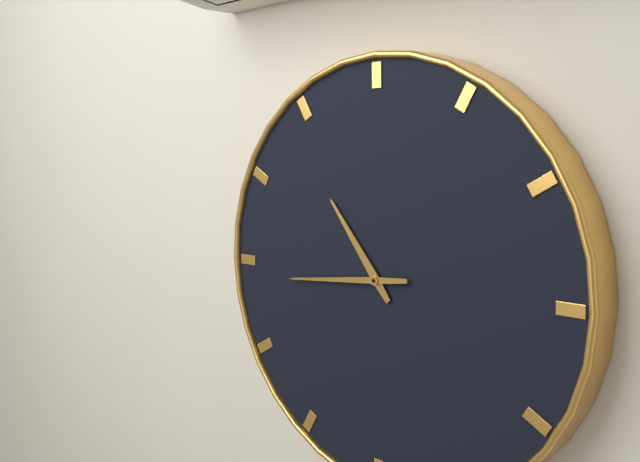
10,44
